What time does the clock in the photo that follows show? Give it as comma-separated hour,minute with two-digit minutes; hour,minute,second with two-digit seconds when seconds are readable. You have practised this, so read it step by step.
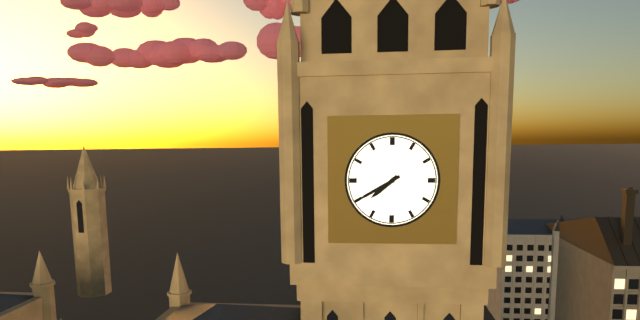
7,40
